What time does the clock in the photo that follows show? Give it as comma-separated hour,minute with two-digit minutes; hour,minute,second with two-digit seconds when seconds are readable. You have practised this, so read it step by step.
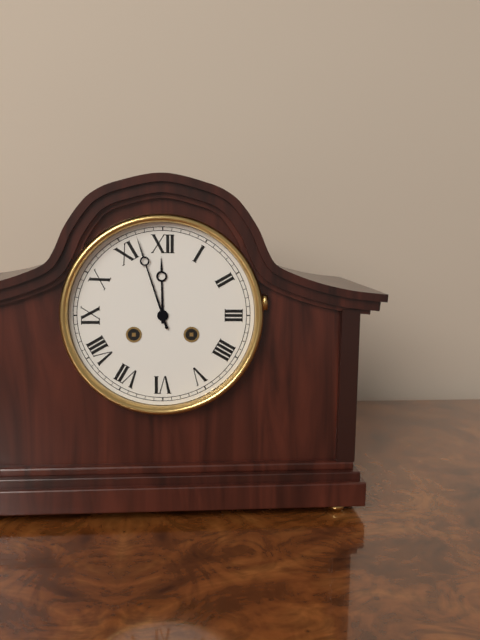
11,57
